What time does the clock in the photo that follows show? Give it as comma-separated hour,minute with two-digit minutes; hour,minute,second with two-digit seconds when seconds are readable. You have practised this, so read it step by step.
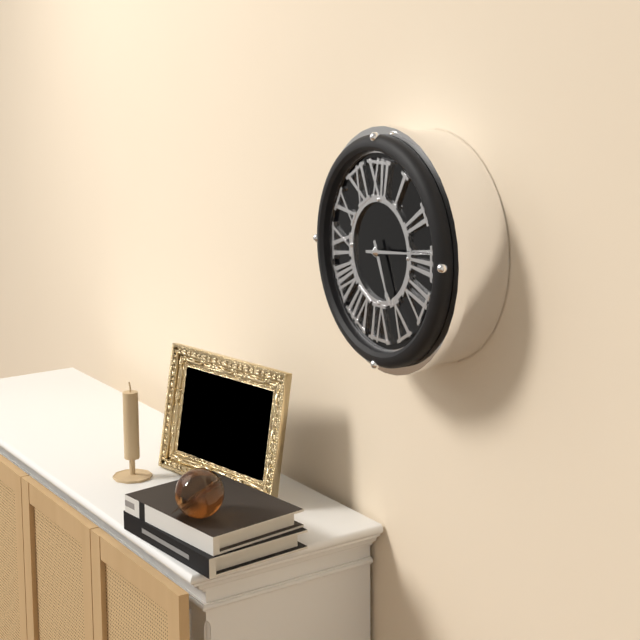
5,14
